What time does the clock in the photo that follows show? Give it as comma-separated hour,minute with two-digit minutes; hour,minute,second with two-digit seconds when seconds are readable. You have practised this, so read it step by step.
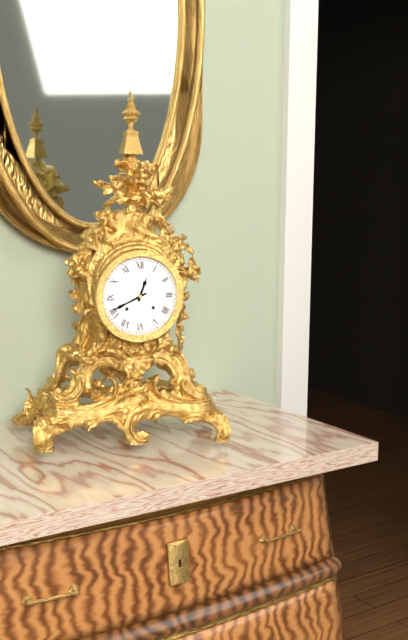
12,41
